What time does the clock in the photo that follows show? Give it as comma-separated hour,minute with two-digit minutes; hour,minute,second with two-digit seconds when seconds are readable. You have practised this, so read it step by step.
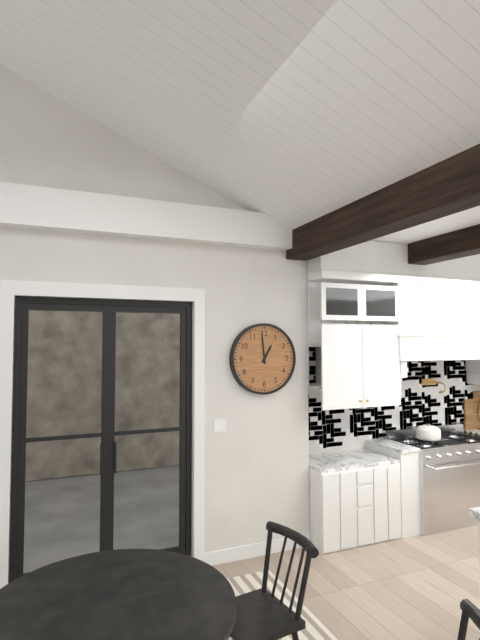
12,59
